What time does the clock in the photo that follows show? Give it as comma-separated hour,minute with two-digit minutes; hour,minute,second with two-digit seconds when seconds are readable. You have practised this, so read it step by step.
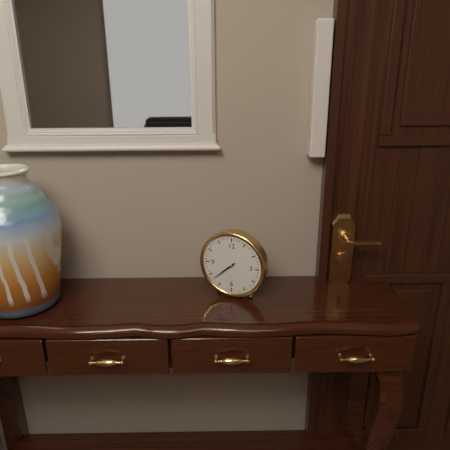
7,38
